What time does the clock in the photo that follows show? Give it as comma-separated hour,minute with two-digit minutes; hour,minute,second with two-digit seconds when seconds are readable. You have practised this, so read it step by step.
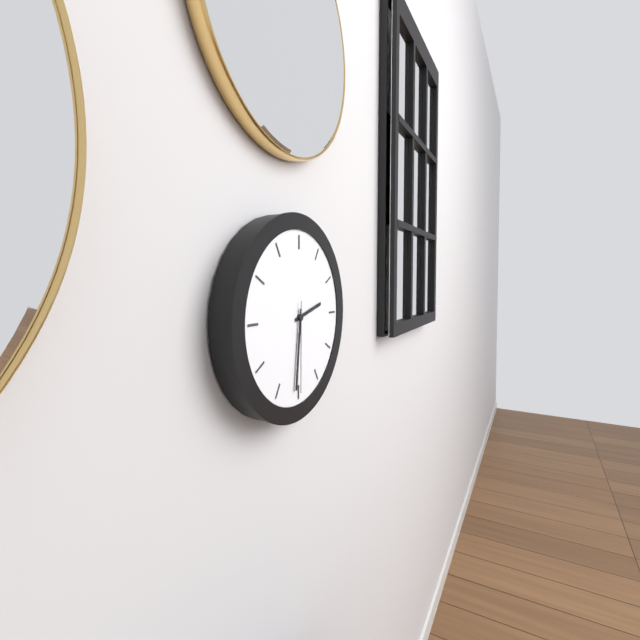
2,31,30
